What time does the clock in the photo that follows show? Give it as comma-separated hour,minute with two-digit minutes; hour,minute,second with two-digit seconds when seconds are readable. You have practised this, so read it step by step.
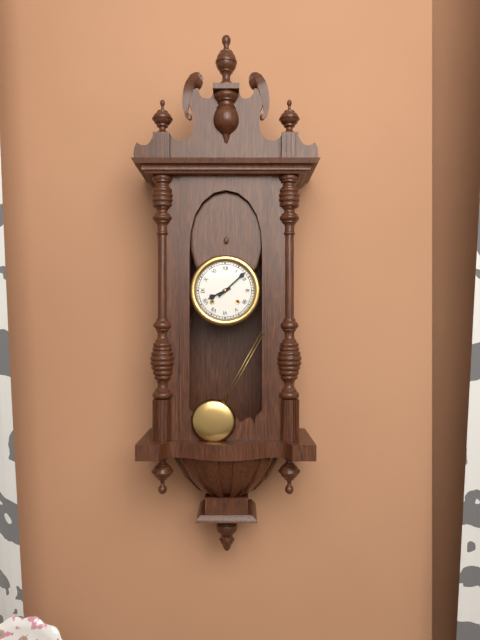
8,08
